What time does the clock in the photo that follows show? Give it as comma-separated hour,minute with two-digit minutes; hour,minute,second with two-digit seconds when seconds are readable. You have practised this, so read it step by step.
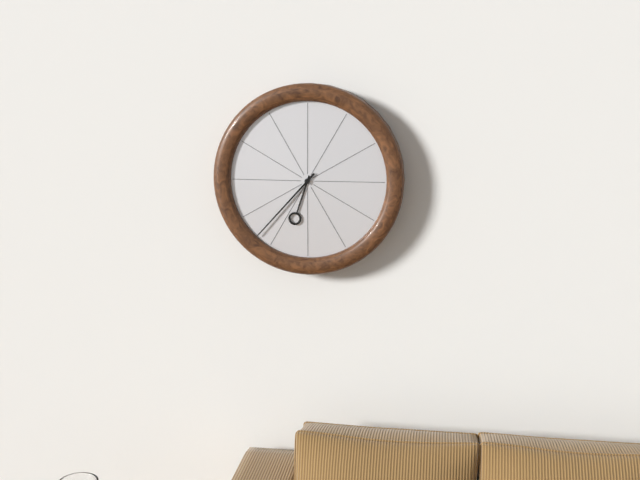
6,37
